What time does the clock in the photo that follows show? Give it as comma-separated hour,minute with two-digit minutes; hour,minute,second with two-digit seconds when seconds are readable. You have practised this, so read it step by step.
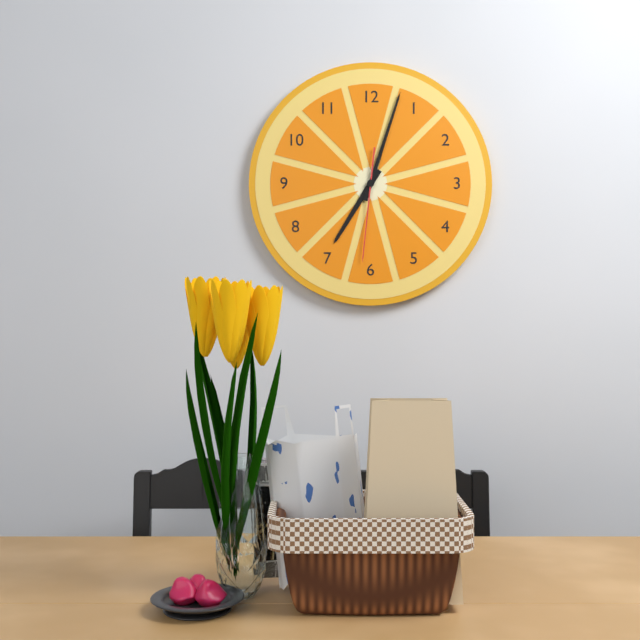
7,03,31
